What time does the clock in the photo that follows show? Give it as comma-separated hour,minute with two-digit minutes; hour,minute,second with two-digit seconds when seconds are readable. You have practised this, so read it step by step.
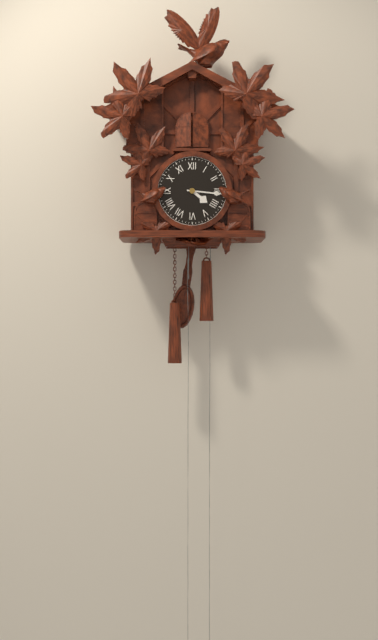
4,16
